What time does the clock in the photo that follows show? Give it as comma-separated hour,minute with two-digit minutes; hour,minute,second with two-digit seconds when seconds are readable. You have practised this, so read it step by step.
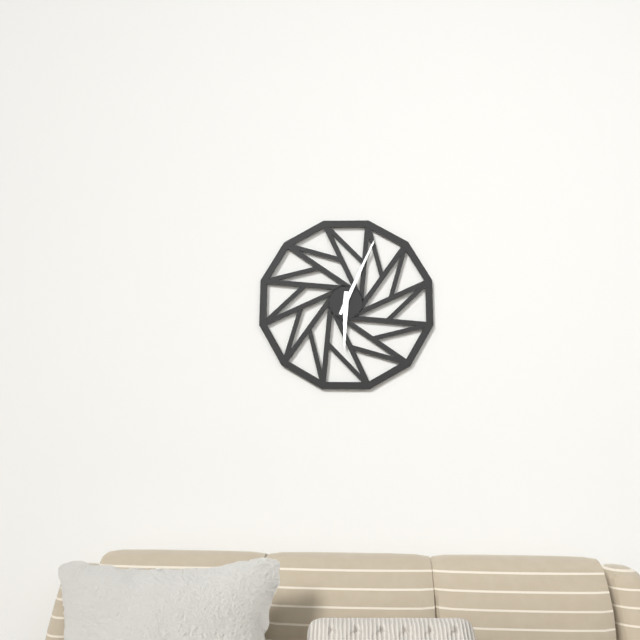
6,04
